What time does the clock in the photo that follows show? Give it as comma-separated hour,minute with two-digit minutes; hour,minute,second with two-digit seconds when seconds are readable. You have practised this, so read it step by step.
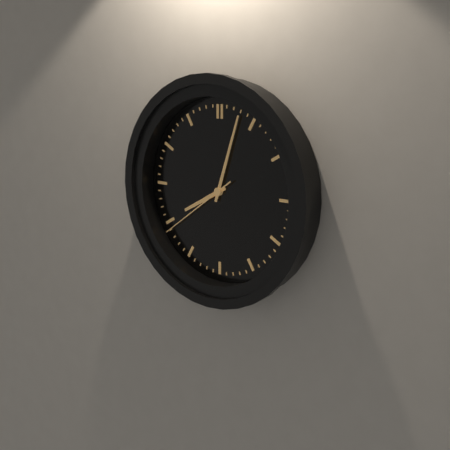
8,03,39
